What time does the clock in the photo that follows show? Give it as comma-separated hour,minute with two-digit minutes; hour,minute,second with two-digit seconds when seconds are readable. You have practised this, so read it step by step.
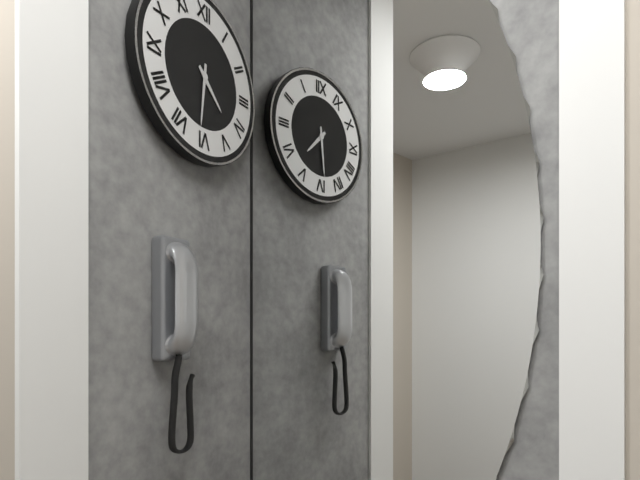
4,31
